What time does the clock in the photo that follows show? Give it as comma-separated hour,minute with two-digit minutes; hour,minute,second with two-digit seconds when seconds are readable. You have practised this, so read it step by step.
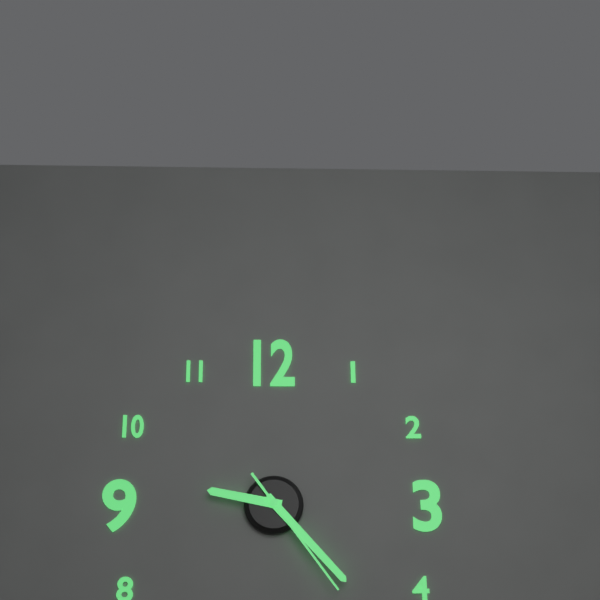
9,23,24
